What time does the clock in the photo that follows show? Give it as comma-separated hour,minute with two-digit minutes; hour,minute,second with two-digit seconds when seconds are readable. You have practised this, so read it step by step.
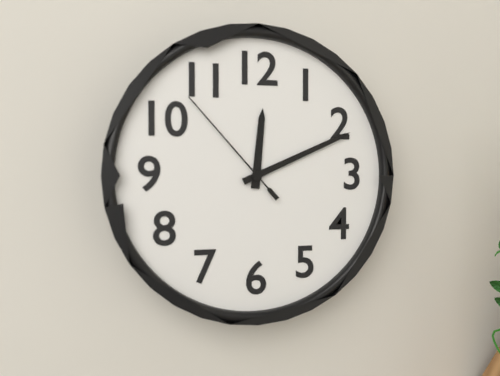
12,11,53
